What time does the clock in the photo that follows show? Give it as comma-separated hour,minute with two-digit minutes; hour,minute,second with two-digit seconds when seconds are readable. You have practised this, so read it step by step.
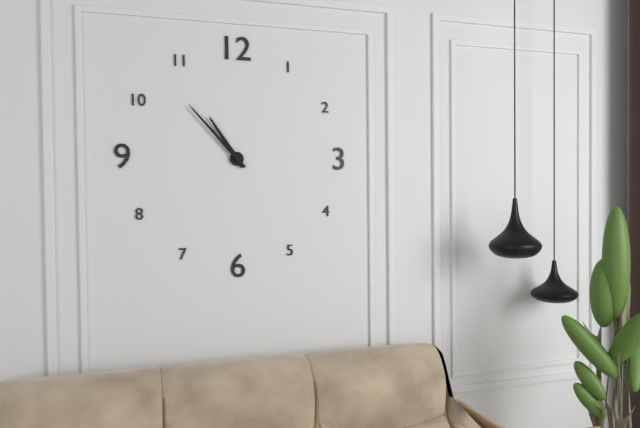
10,53
